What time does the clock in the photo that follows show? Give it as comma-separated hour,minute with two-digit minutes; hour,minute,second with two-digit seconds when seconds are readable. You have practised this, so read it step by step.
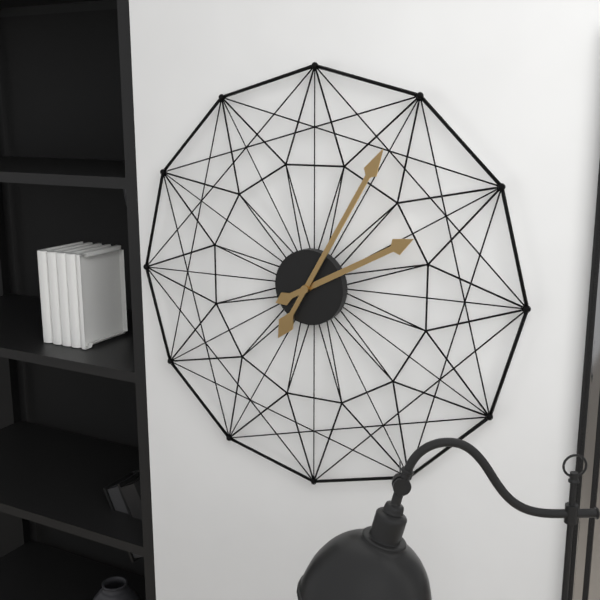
2,05
